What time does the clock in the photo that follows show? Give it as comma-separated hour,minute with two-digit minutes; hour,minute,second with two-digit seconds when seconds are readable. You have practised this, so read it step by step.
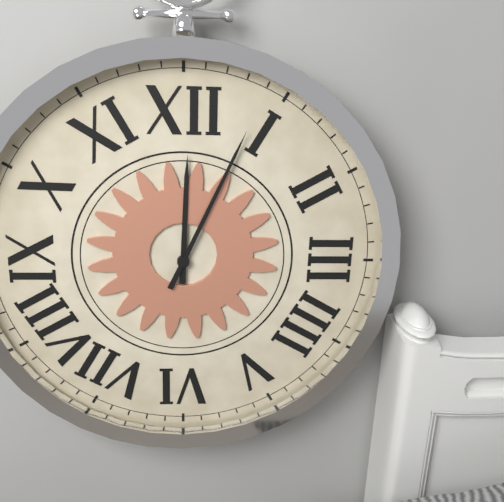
12,04
